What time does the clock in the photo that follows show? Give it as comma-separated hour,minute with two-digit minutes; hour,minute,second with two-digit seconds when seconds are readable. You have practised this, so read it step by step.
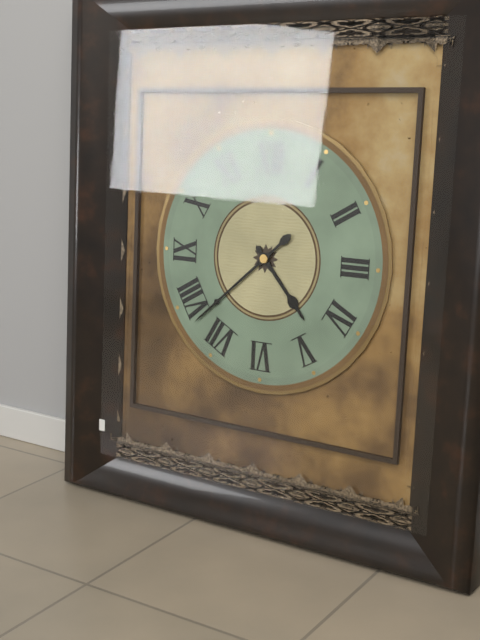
4,38
